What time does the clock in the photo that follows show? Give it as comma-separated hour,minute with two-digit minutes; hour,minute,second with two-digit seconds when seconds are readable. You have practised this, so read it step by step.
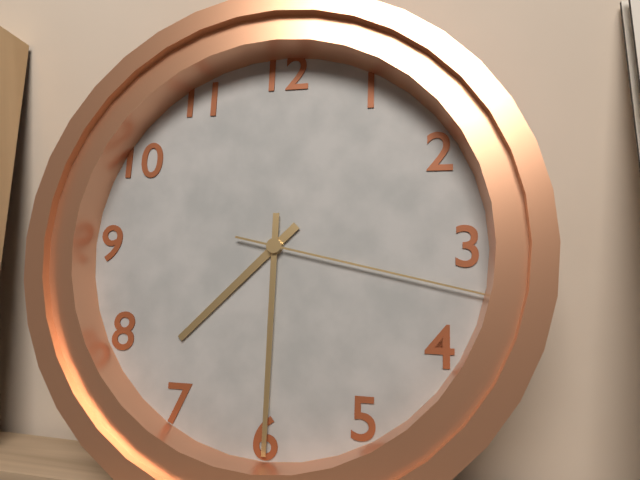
7,30,17
